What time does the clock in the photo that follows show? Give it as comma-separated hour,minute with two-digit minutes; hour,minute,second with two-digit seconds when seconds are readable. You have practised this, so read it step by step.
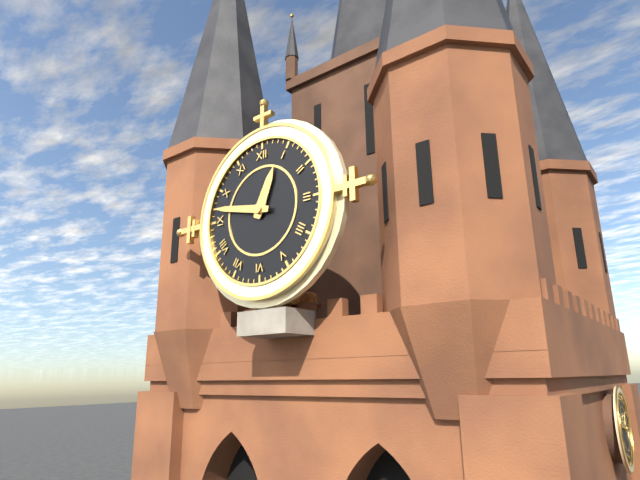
12,47
